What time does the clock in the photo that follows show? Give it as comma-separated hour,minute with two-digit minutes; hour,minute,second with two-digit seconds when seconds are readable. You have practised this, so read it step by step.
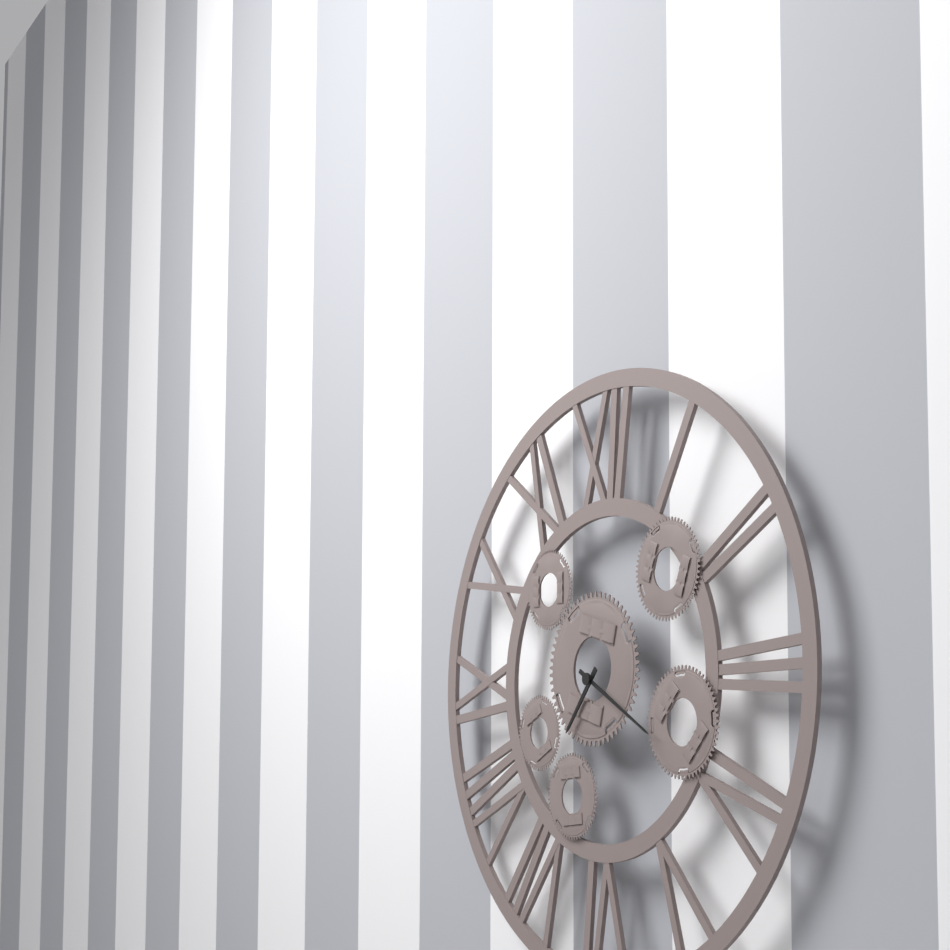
7,20
